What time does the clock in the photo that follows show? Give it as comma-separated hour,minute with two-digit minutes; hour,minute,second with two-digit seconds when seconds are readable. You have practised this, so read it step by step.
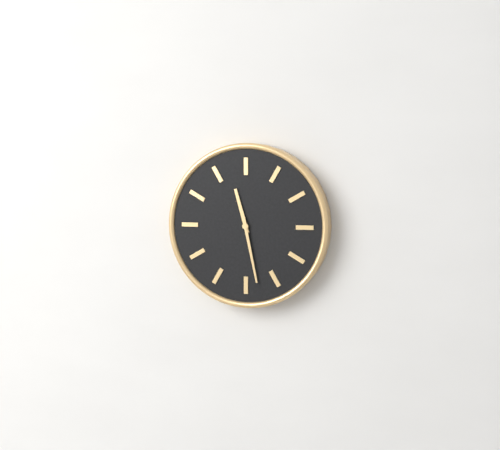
11,28
